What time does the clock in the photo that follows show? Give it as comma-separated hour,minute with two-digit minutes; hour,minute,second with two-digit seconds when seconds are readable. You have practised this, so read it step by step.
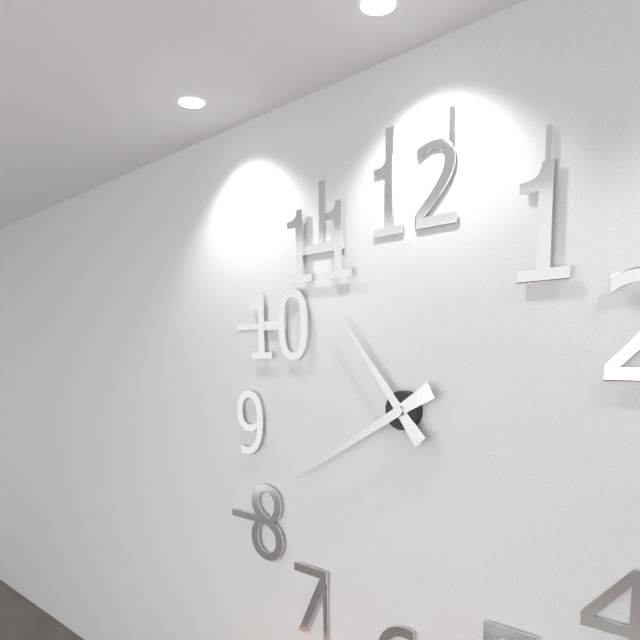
10,40
